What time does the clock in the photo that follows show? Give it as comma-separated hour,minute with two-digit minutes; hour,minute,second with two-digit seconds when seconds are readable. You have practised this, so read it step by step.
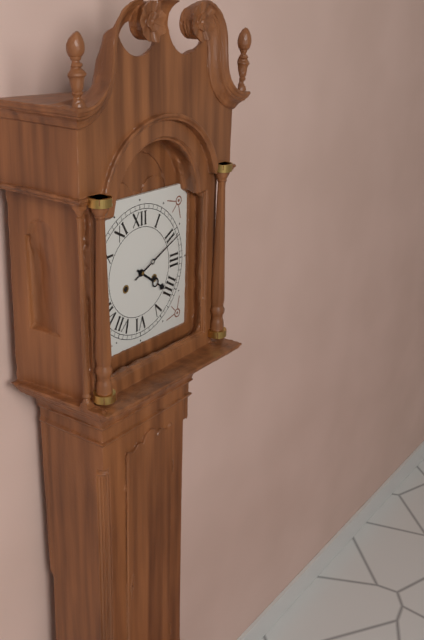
4,11
